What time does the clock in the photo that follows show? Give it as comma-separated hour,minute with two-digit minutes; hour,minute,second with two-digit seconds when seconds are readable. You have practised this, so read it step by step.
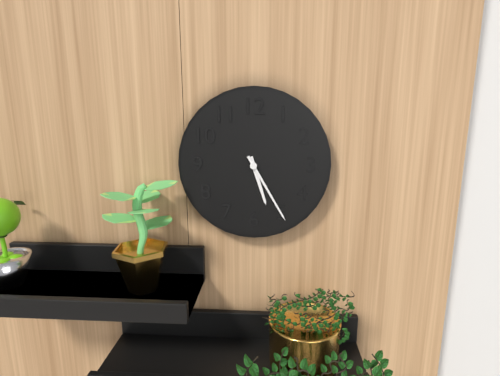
5,25
